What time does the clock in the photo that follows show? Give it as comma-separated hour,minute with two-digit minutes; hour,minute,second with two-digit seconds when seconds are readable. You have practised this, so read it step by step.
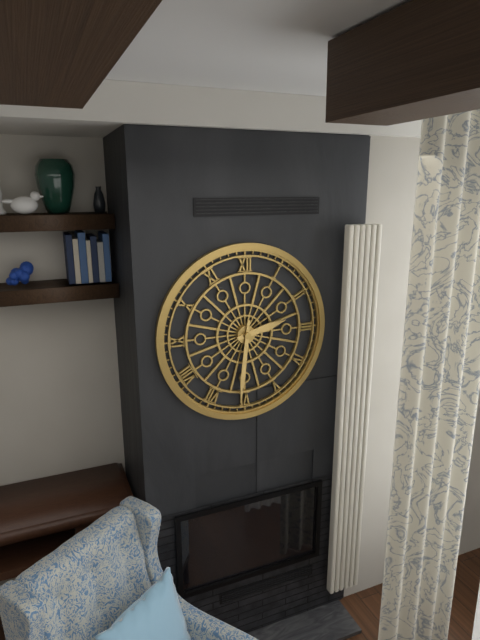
2,31
